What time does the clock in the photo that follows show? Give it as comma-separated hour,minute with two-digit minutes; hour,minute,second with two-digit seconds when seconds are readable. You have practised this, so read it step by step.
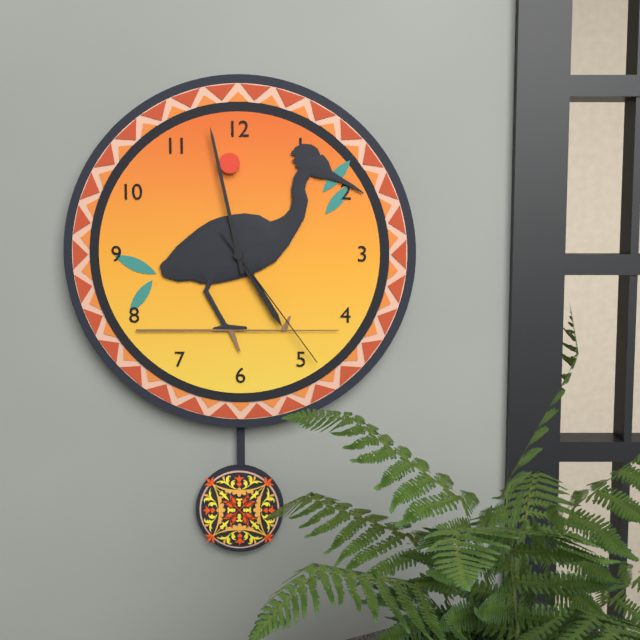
4,58,24
